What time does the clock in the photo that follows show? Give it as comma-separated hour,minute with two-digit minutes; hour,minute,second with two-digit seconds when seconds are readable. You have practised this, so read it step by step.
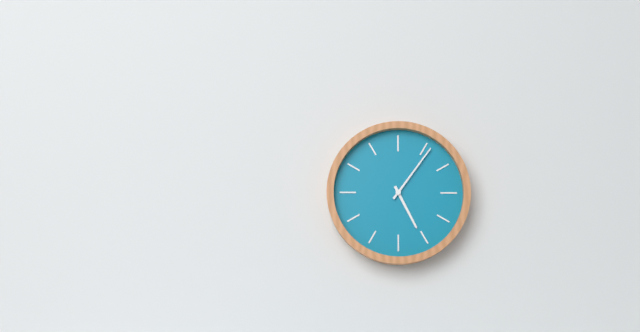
5,06
